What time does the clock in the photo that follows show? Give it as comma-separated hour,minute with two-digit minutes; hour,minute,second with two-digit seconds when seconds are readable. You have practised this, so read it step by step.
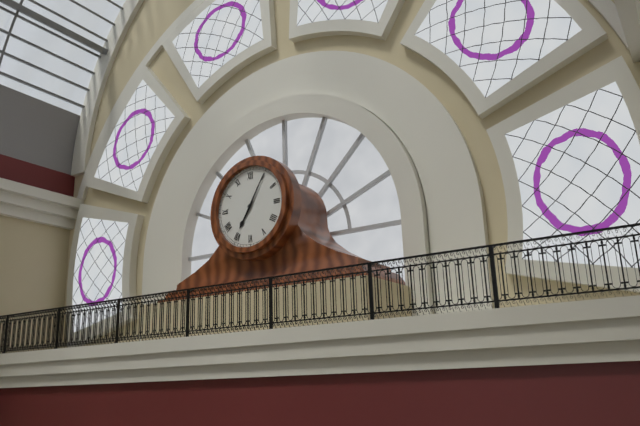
7,05
